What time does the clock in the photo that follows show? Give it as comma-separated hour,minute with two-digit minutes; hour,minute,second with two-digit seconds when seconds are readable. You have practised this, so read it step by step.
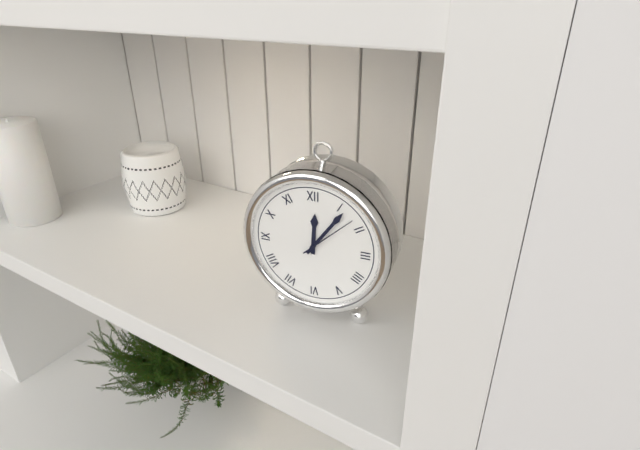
12,06
